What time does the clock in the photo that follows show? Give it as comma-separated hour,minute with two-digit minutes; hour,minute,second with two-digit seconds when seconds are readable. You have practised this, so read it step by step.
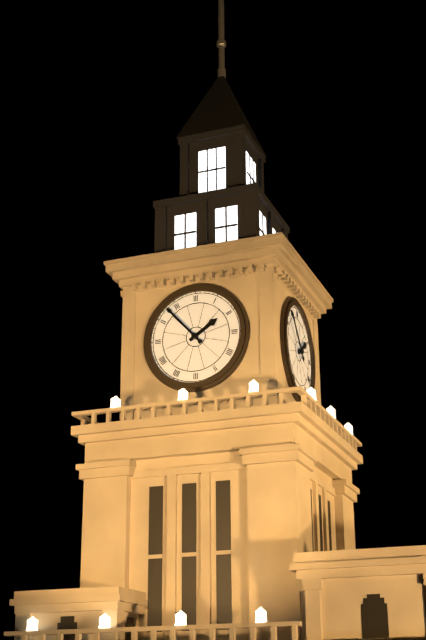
1,53
